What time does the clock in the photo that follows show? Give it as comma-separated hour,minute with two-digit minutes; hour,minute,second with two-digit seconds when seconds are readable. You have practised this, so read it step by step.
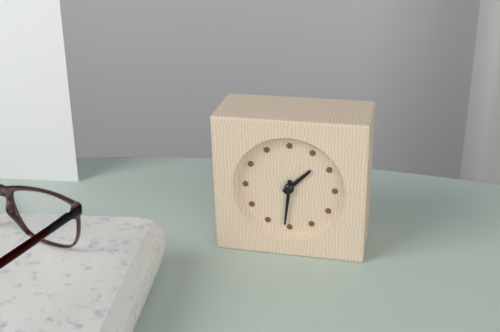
1,31
